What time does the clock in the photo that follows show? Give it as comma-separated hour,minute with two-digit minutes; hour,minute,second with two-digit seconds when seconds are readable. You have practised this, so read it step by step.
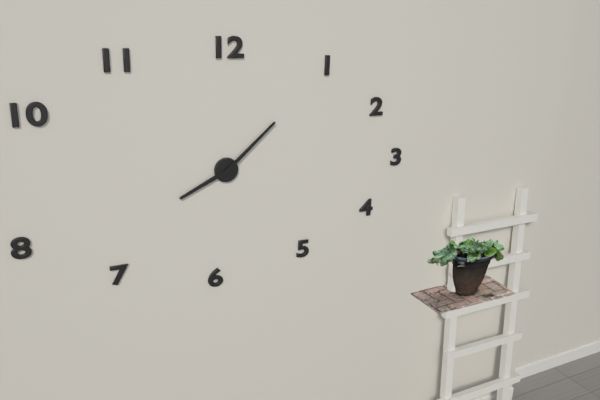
8,08
